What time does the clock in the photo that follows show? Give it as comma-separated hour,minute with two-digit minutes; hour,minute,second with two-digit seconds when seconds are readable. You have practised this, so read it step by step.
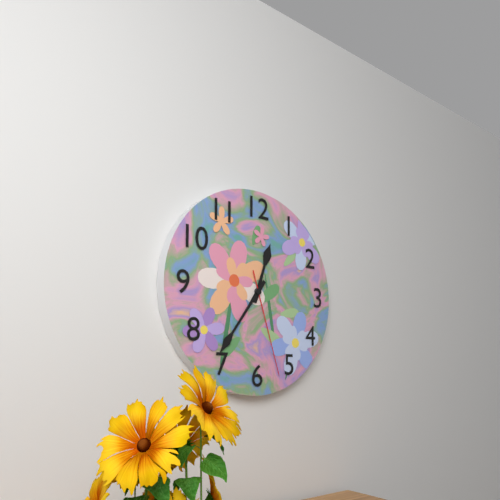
12,36,27
